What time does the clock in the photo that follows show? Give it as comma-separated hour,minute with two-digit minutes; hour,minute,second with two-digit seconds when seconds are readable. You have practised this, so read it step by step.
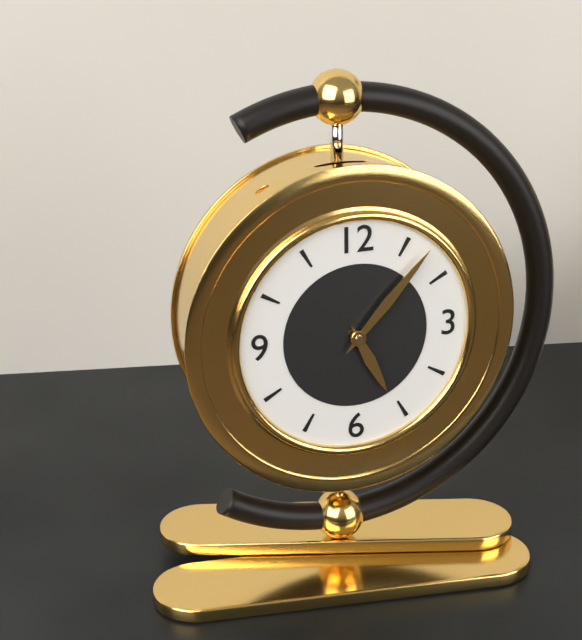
5,07
